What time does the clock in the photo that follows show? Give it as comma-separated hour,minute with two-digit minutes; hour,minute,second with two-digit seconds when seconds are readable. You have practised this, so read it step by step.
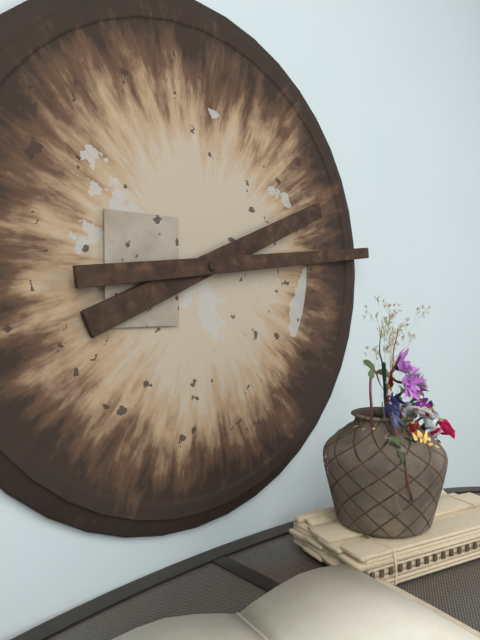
2,14
